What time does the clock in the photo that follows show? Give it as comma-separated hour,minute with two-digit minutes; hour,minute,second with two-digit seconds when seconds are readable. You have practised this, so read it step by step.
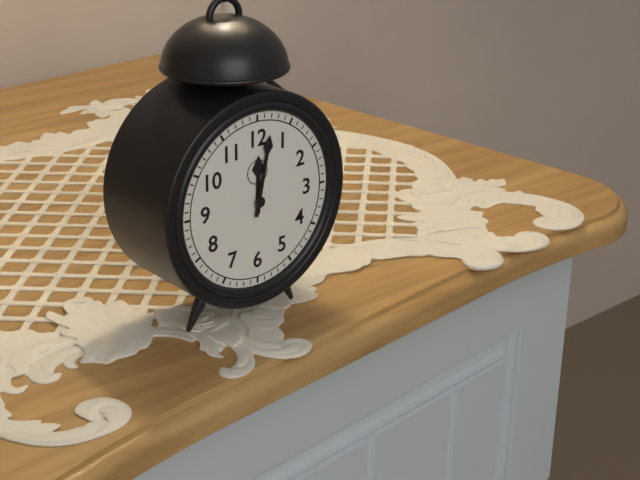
12,02
